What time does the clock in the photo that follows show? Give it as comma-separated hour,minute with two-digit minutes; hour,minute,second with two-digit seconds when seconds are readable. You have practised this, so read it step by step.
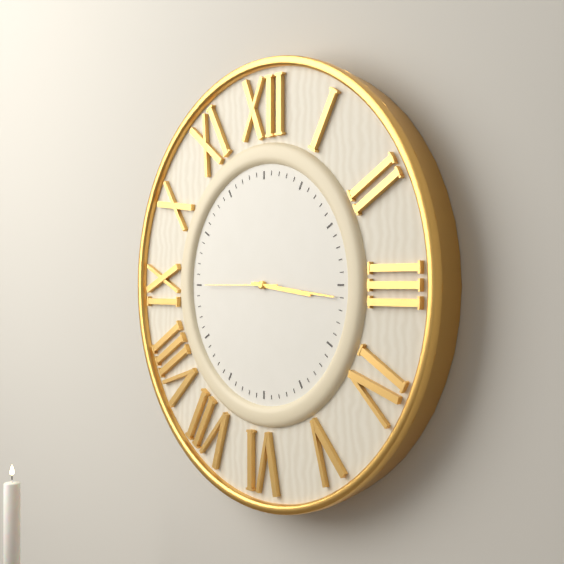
3,16,45
